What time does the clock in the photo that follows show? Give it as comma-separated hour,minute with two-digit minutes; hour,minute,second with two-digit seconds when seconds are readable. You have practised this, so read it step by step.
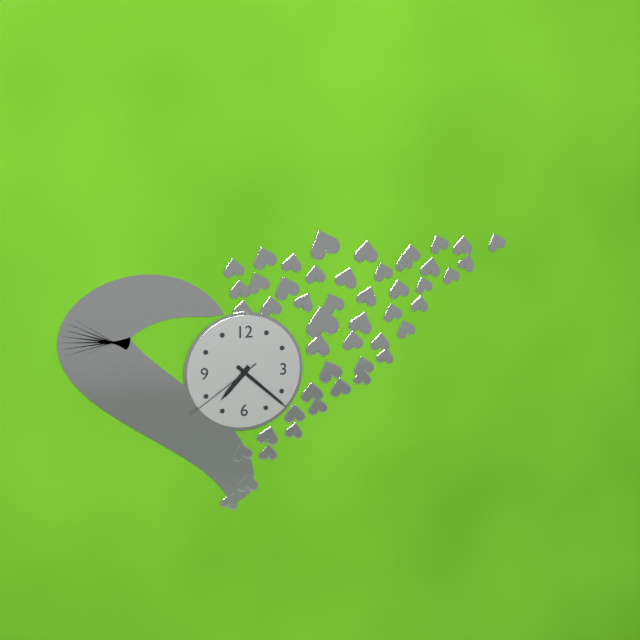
7,22,39
